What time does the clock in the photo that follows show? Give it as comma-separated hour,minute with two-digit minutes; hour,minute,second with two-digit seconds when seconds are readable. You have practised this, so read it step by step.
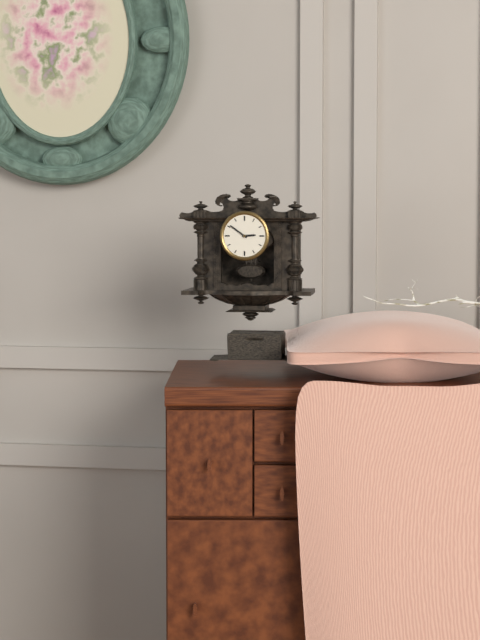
2,51
